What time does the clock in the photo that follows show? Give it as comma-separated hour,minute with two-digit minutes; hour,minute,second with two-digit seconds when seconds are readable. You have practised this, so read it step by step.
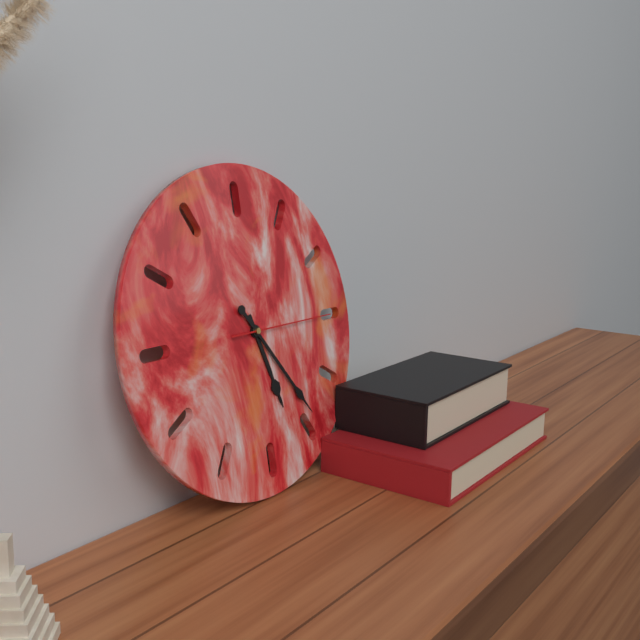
5,24,15
